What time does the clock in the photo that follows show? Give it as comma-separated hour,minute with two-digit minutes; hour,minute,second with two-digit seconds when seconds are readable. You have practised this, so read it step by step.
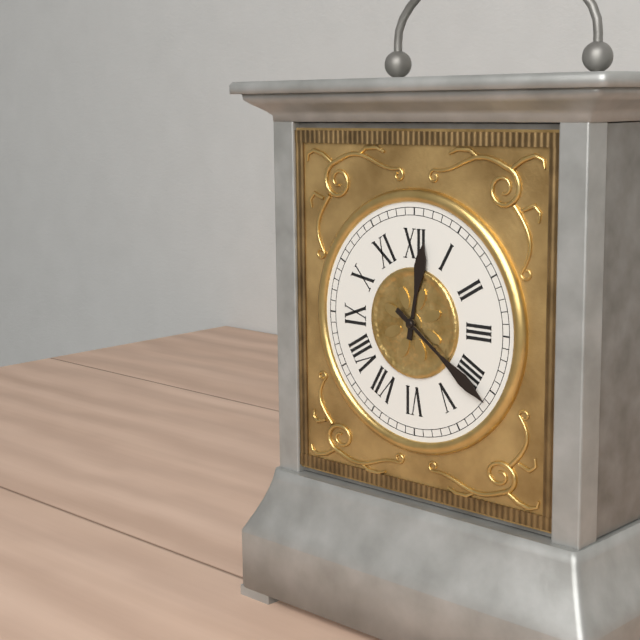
12,21
